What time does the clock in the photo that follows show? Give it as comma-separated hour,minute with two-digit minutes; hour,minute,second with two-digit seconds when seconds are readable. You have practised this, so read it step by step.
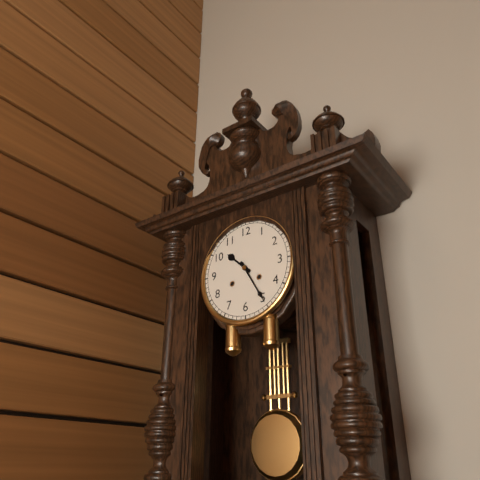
10,25
